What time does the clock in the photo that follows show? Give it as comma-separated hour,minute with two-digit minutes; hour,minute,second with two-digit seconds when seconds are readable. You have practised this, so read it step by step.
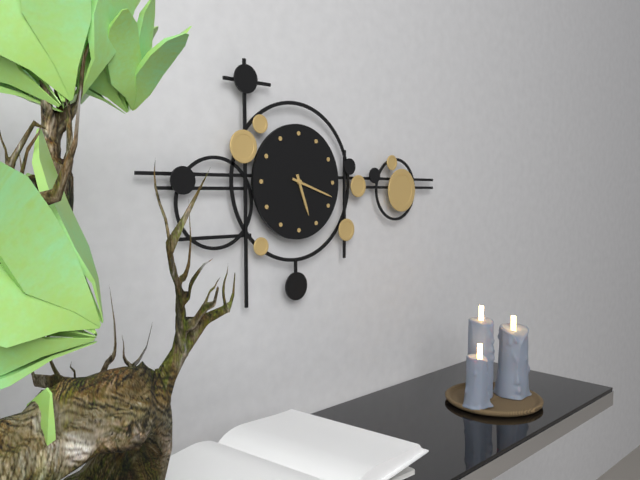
5,18
